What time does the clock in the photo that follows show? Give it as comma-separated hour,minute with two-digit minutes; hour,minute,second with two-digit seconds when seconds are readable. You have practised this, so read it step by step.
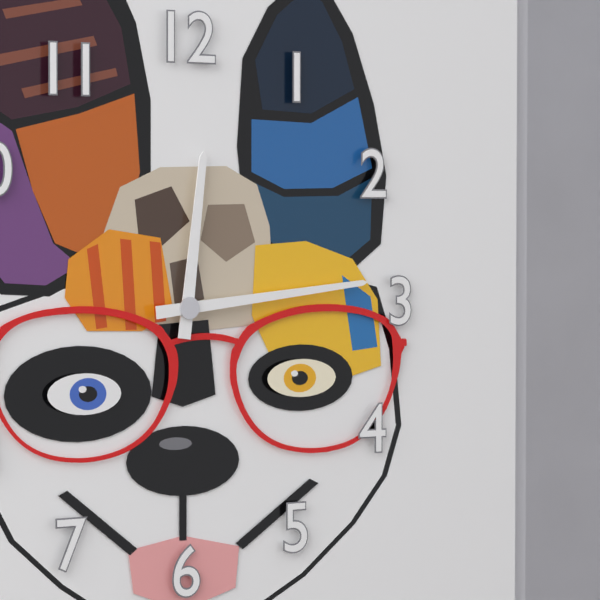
12,14
